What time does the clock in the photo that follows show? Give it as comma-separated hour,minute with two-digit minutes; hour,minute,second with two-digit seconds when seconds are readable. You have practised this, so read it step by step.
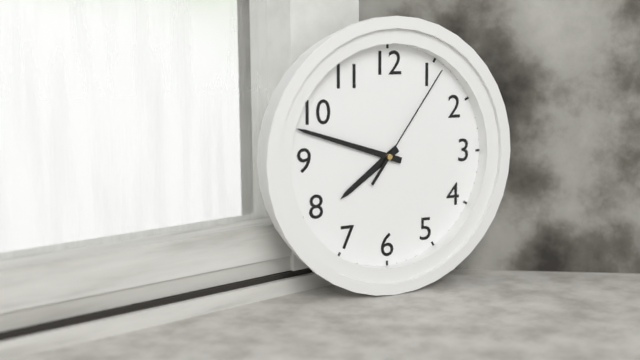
7,48,06
